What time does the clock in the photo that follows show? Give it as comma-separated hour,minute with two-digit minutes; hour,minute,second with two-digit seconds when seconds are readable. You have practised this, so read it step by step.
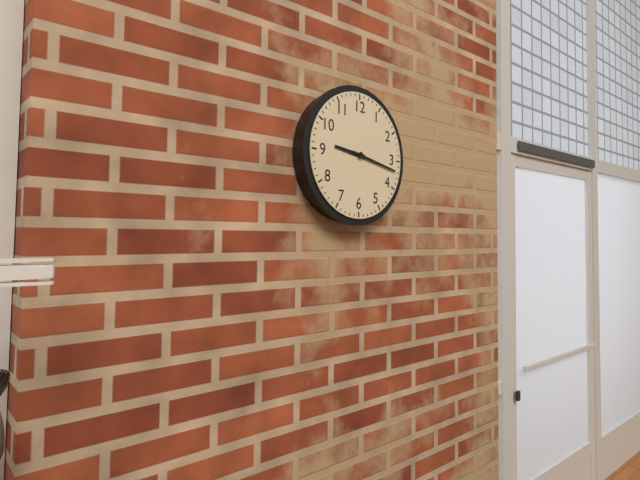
9,17
